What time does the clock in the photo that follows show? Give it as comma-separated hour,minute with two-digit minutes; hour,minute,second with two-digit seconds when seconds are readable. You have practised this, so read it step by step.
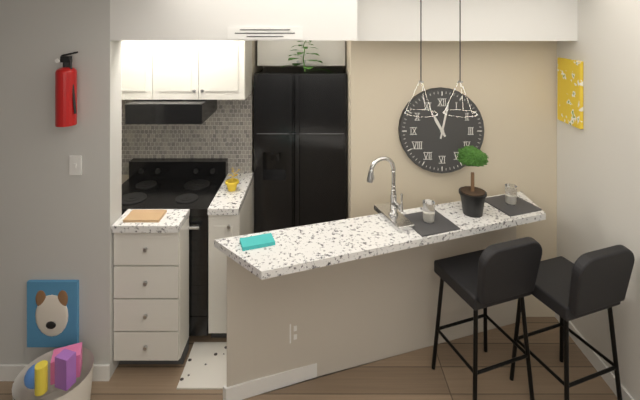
11,02
